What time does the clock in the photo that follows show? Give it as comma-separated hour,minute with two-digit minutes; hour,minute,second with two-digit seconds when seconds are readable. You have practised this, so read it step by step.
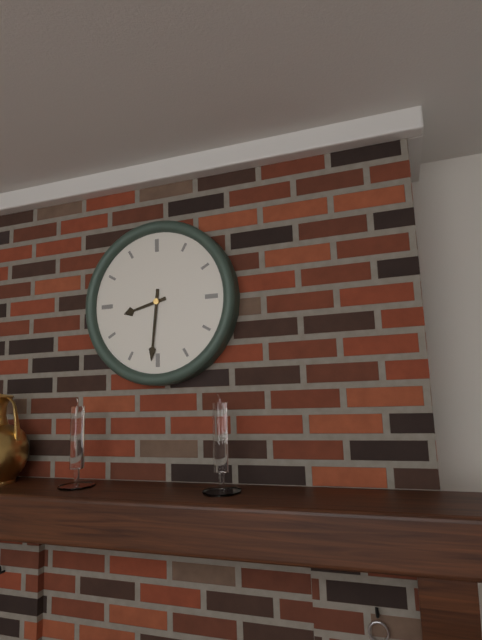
8,31
